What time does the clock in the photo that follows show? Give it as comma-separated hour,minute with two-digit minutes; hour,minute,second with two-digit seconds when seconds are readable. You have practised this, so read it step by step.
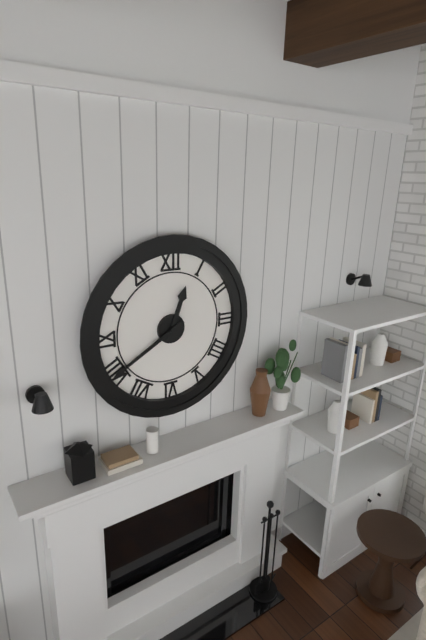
12,40
